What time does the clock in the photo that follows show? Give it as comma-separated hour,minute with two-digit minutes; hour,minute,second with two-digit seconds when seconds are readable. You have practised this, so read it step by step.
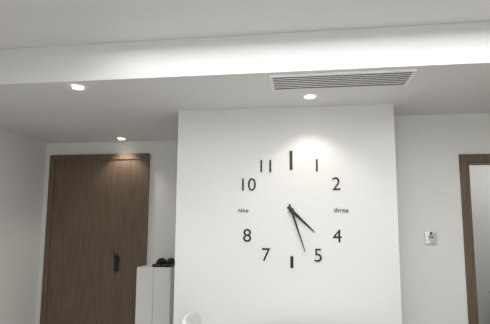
4,27
